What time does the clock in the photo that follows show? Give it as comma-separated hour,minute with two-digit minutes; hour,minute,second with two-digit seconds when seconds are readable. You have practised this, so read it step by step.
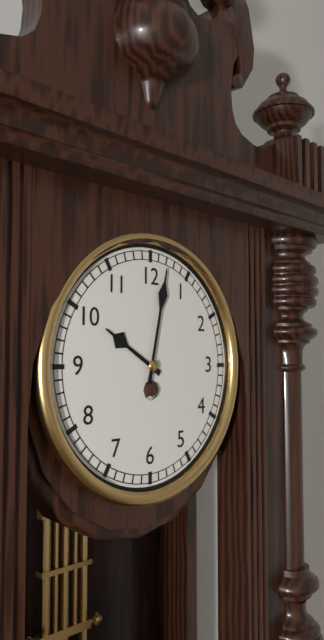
10,02
